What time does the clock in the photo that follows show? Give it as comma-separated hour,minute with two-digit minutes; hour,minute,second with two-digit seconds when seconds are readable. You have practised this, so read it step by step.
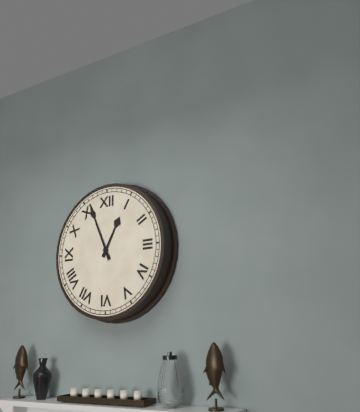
12,56
